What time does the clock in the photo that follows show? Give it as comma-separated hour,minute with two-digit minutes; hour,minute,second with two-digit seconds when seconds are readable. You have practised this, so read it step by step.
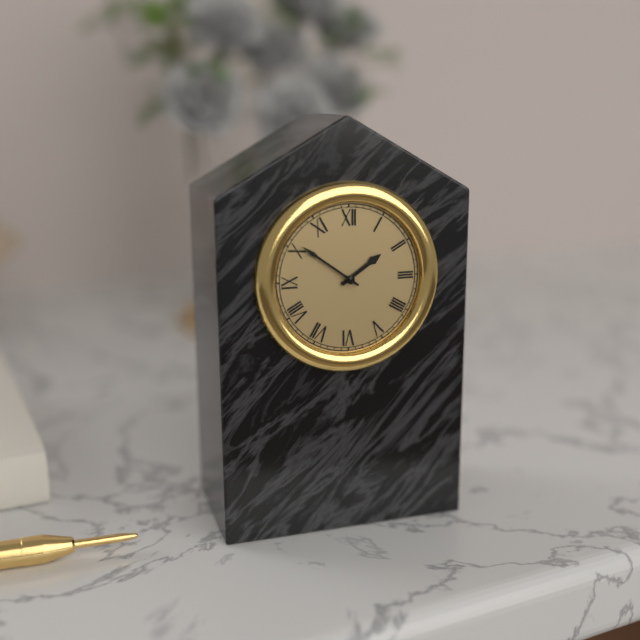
1,51
